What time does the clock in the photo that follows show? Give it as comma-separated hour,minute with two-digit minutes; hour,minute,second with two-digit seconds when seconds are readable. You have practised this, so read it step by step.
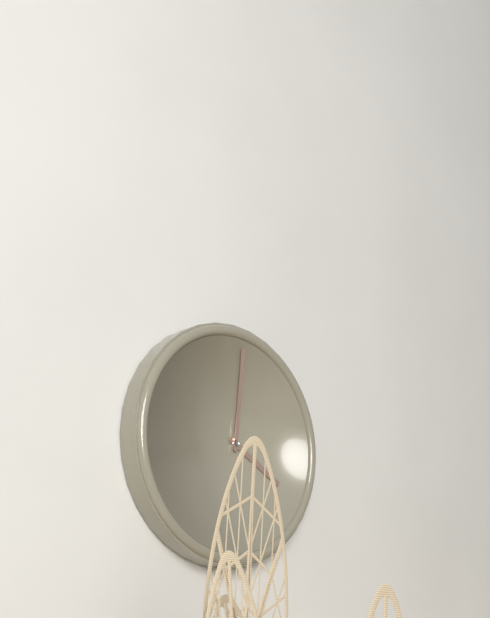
4,01
